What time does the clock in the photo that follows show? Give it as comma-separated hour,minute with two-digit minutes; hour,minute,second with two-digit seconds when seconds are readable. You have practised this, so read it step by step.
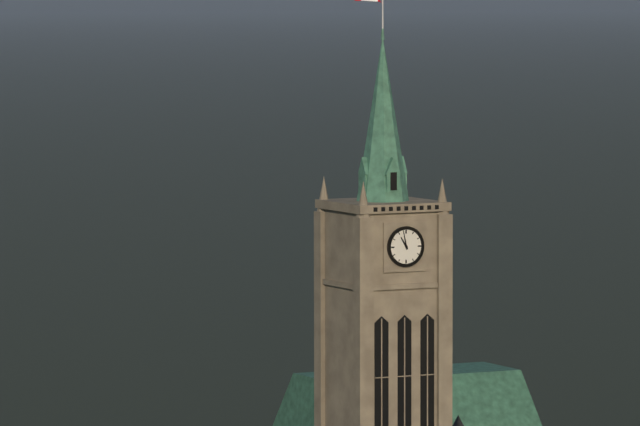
10,58
